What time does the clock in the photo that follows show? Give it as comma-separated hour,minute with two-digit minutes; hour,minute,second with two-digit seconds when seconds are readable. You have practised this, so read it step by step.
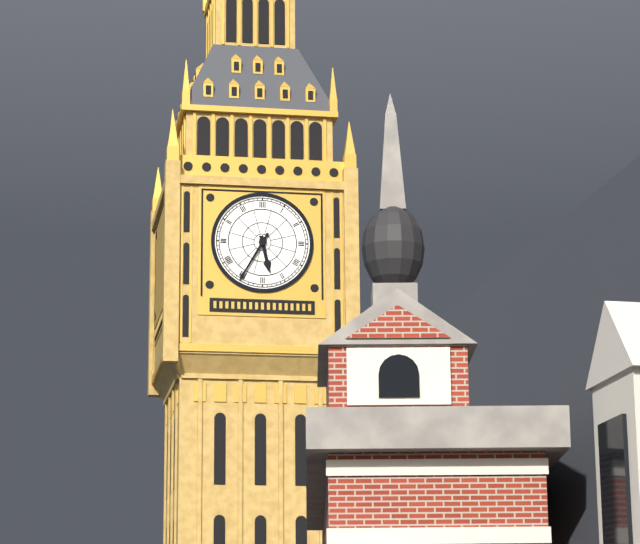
5,35
